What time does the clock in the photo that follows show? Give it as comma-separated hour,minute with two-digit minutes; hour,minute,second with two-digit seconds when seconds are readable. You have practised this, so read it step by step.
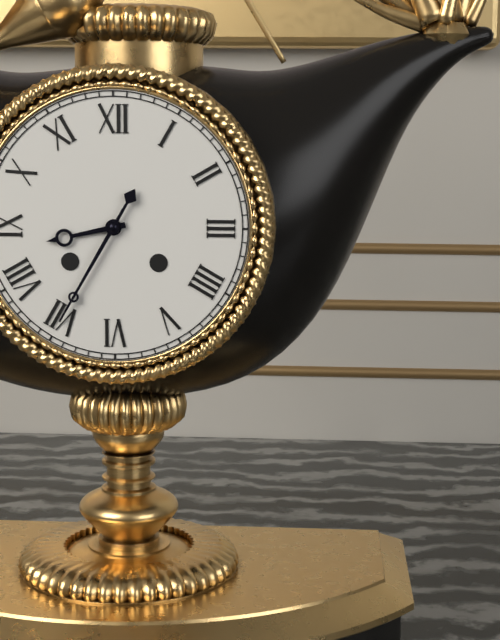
8,35
